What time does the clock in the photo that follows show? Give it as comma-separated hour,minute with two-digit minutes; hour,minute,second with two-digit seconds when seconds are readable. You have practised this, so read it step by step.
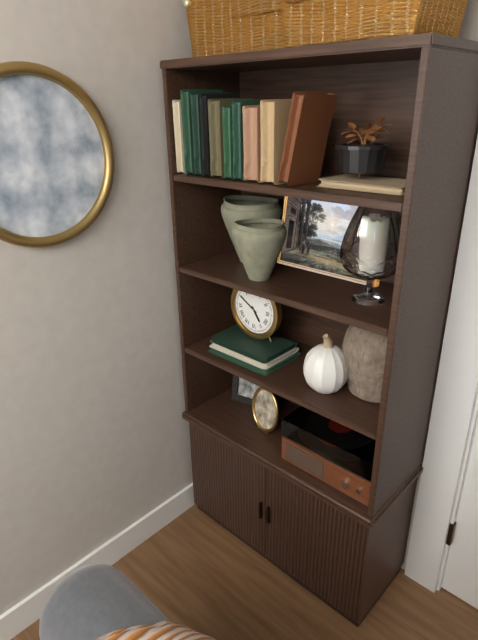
4,50
